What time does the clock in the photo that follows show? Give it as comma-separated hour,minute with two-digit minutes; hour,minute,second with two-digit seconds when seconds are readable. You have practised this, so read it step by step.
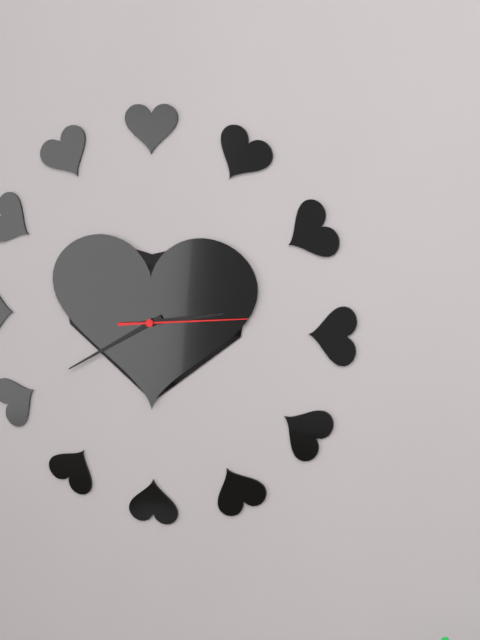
2,40,14
